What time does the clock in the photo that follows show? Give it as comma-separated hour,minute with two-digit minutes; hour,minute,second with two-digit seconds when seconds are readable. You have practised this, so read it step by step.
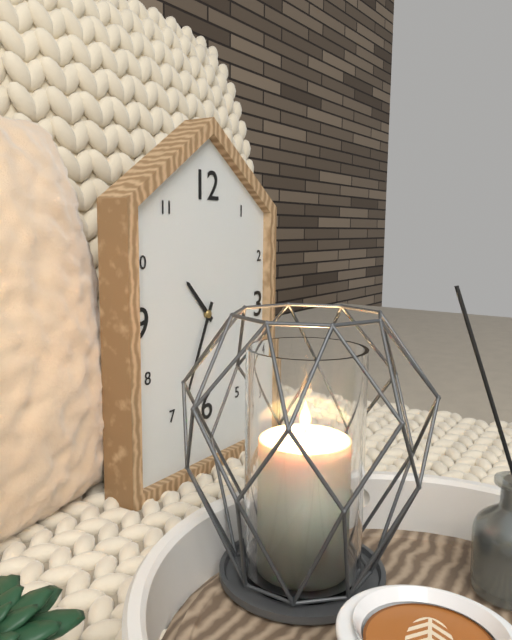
10,34
